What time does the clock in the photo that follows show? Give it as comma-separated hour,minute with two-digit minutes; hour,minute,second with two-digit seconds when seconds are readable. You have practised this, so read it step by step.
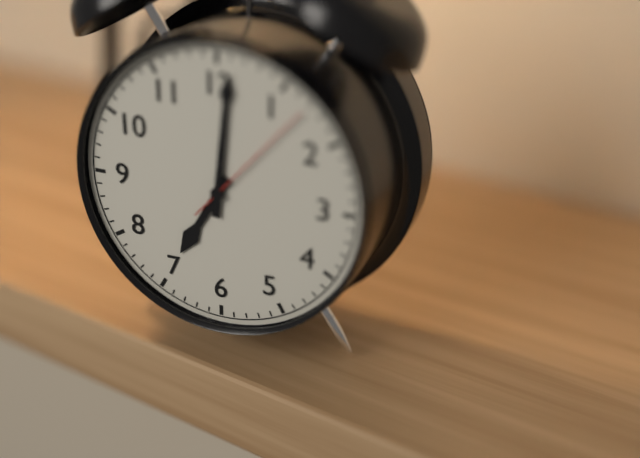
7,01,07
